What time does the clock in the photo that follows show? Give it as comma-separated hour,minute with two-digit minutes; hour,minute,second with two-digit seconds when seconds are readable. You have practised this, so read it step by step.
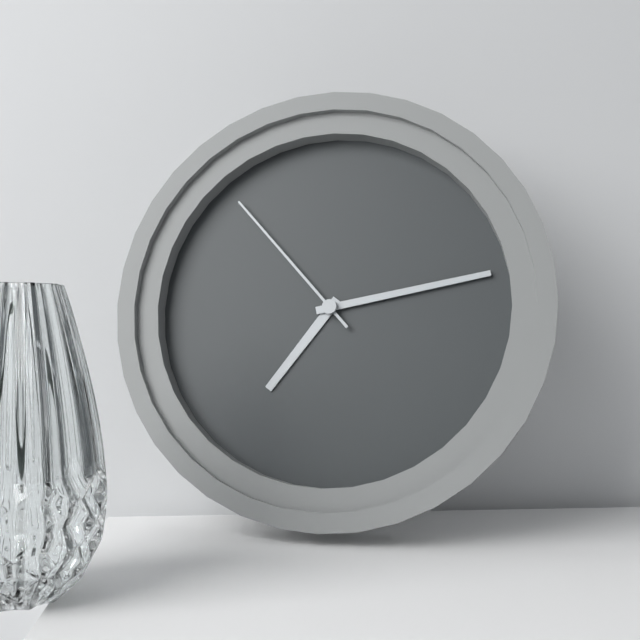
7,13,53
